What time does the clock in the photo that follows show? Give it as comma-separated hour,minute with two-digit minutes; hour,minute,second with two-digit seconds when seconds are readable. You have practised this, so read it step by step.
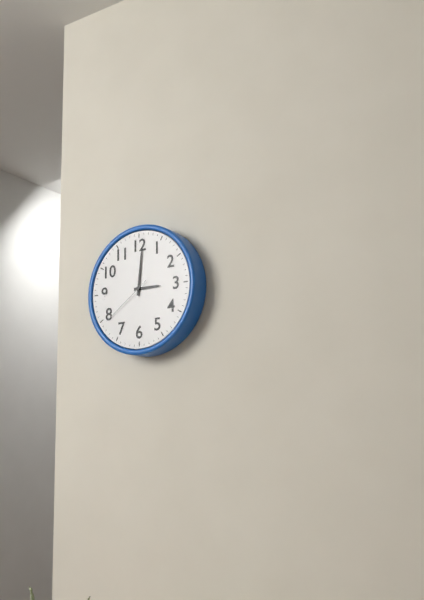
3,01,39
